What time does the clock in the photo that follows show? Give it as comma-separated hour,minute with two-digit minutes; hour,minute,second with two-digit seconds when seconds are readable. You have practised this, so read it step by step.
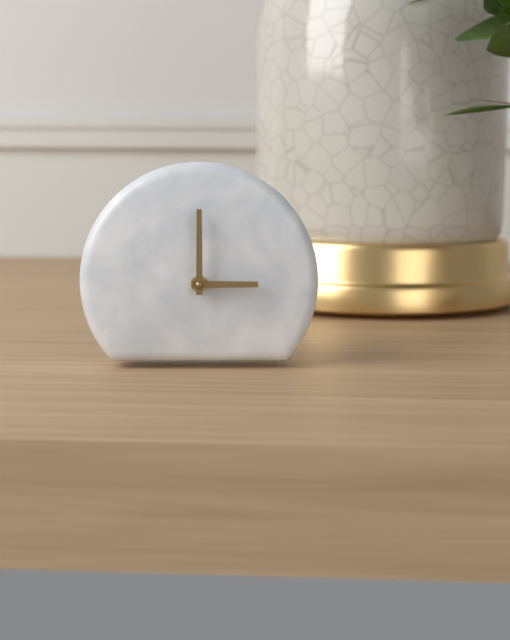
3,00
